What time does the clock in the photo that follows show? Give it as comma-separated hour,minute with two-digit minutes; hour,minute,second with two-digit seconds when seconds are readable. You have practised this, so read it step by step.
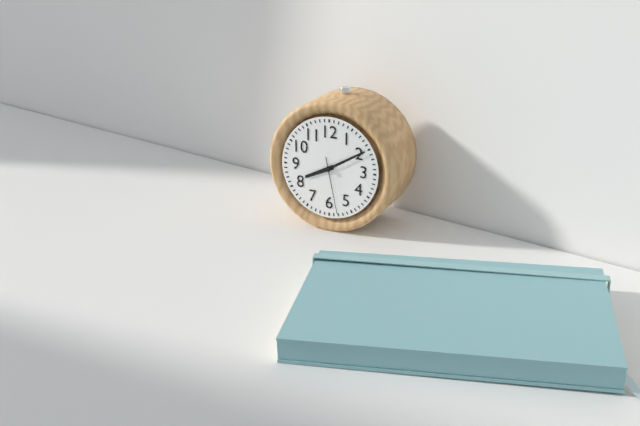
8,10,28
